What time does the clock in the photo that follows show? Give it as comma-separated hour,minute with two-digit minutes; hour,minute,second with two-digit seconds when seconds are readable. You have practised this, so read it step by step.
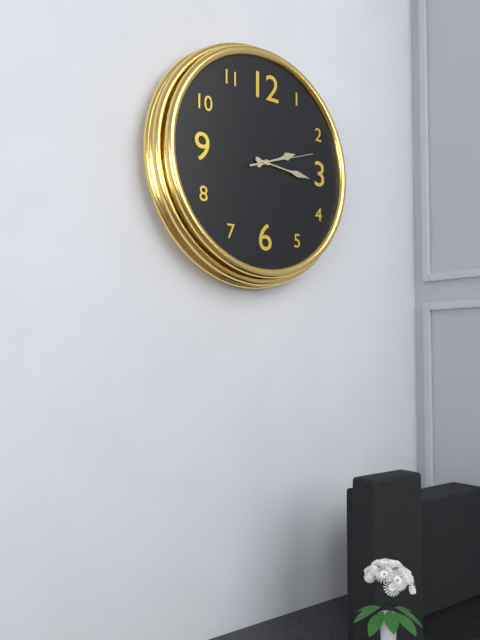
2,16,12
